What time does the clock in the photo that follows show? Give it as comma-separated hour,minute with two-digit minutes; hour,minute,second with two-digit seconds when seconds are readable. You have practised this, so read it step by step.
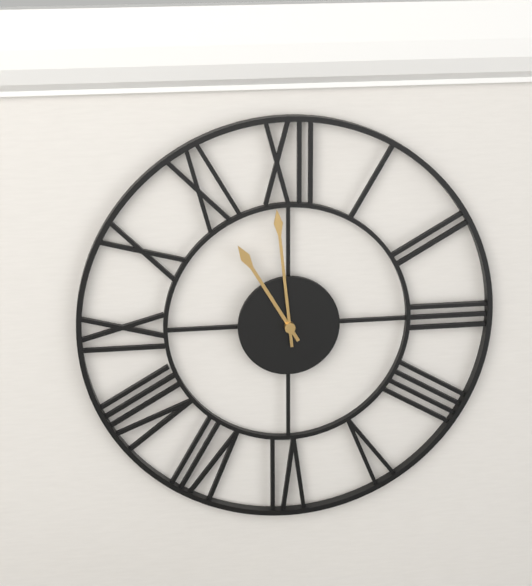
10,59
